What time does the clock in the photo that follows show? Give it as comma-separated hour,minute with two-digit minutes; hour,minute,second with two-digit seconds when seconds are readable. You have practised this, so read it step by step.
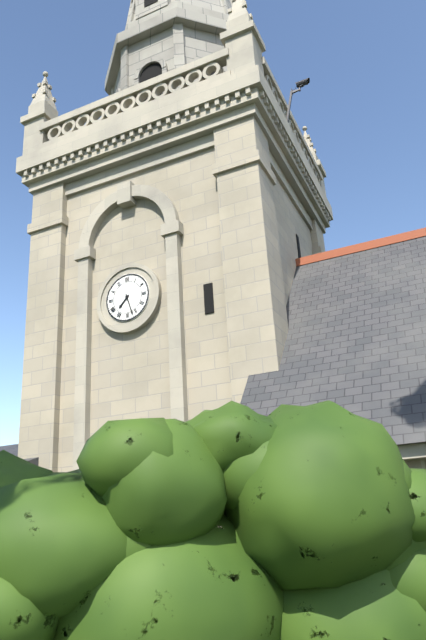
7,27
